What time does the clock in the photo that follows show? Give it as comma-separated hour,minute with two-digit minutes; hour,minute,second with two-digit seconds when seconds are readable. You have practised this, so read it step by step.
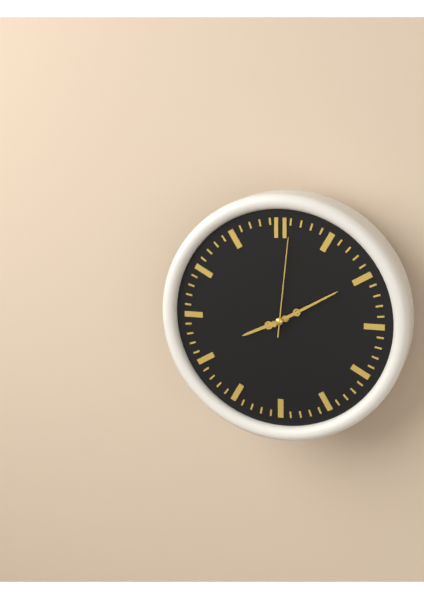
8,10,01
